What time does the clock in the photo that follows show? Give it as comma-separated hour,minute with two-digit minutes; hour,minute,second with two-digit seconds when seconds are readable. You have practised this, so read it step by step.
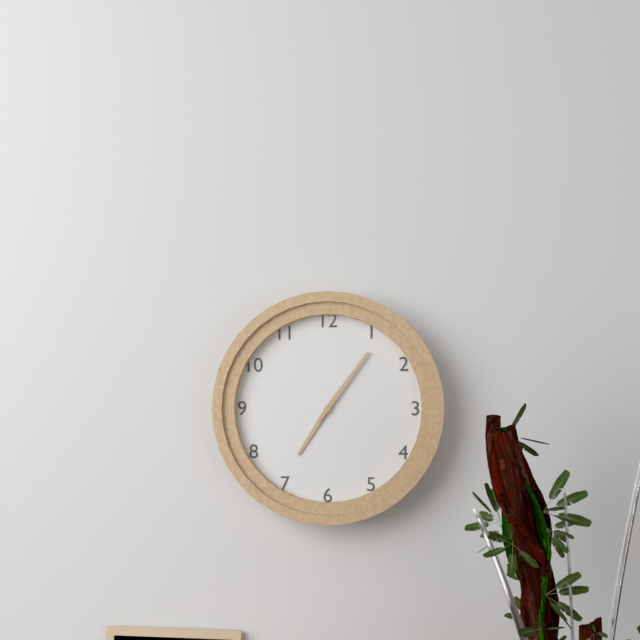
7,06
